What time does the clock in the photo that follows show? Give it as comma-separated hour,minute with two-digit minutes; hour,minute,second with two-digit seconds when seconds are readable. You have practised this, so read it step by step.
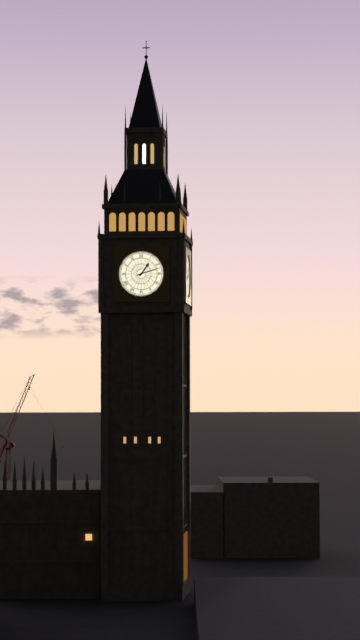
1,12
